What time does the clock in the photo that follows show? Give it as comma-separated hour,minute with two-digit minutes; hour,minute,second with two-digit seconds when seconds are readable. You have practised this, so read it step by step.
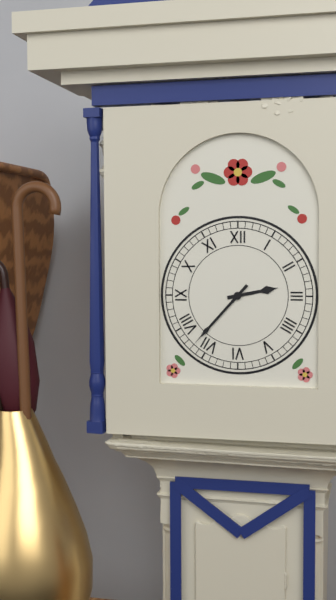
2,37
